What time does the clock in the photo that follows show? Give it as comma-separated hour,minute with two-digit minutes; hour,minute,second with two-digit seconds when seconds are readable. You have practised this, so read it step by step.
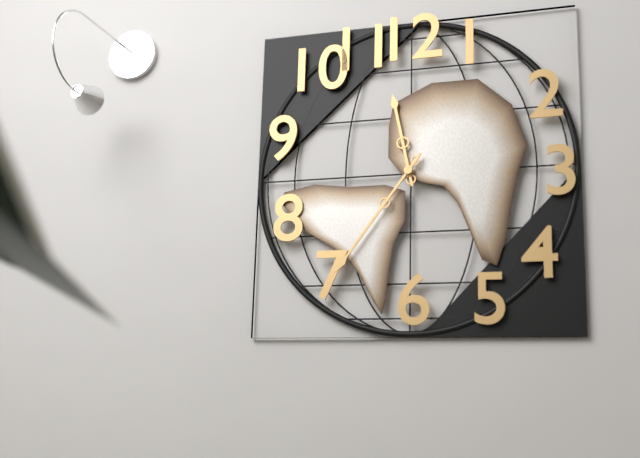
11,36
